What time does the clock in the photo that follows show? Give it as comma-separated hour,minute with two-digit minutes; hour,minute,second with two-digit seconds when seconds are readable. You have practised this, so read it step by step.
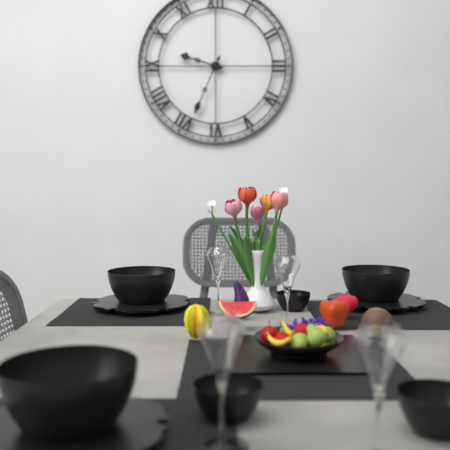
9,34
